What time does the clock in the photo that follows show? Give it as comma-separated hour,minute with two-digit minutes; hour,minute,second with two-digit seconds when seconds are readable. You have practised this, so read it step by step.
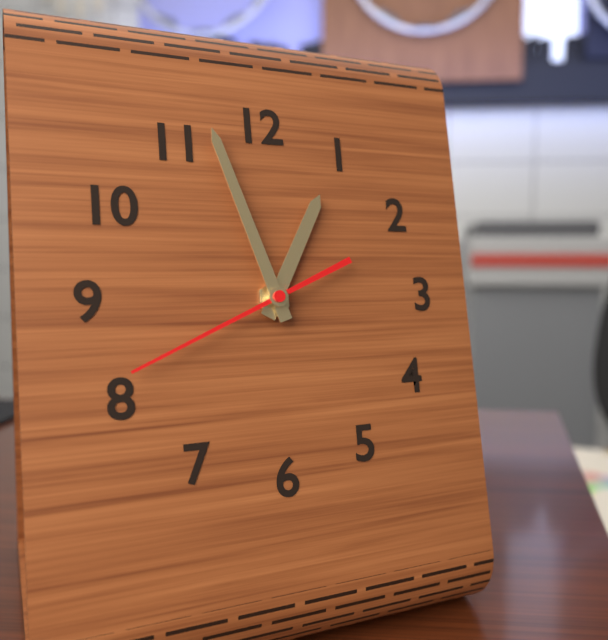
12,57,41
